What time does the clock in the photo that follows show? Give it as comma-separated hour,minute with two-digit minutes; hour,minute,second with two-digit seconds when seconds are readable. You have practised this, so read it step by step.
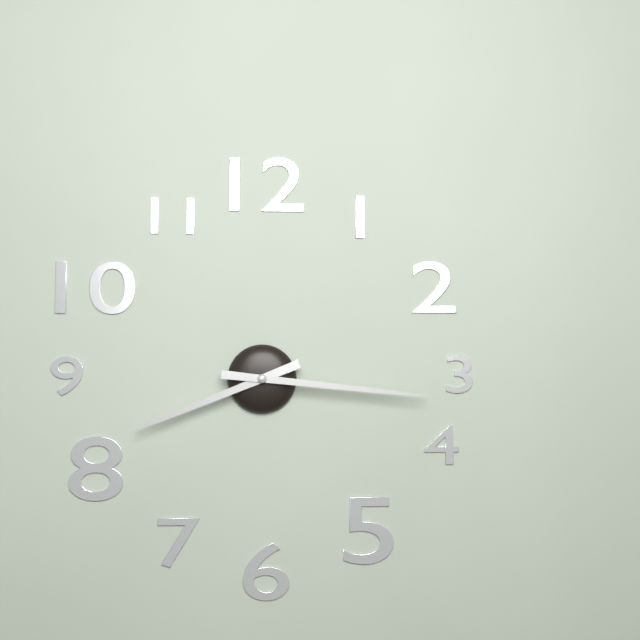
8,16
